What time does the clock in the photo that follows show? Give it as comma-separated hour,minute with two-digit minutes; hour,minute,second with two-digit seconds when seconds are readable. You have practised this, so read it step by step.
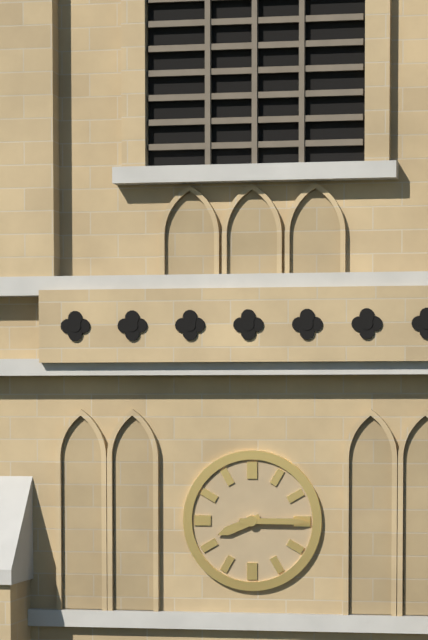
8,15
